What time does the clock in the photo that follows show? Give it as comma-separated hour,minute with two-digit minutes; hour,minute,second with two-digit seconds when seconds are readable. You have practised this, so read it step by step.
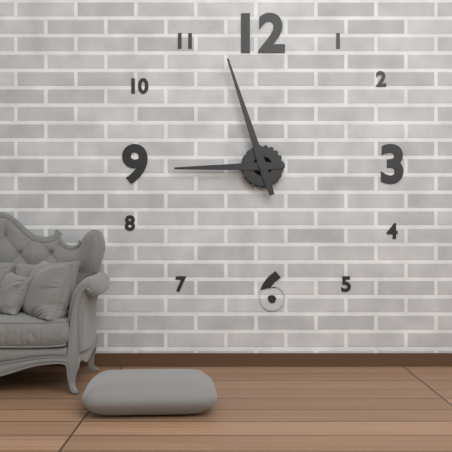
8,57
